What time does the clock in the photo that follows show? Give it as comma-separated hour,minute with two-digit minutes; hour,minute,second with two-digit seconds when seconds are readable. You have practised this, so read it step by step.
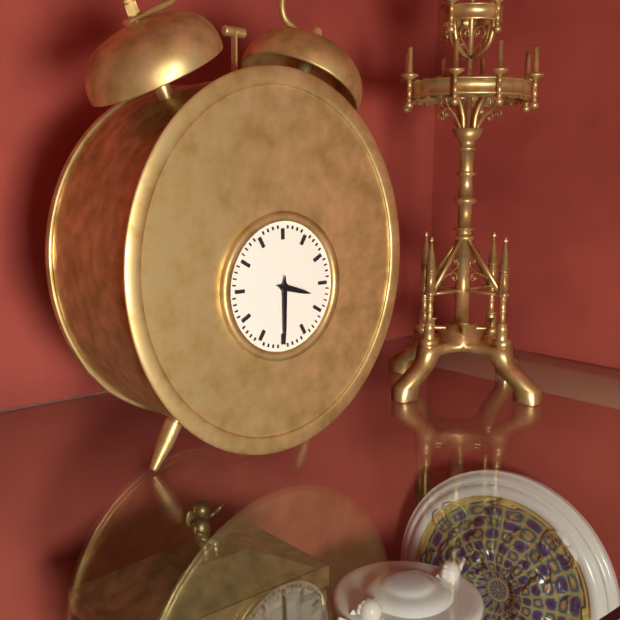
3,30
